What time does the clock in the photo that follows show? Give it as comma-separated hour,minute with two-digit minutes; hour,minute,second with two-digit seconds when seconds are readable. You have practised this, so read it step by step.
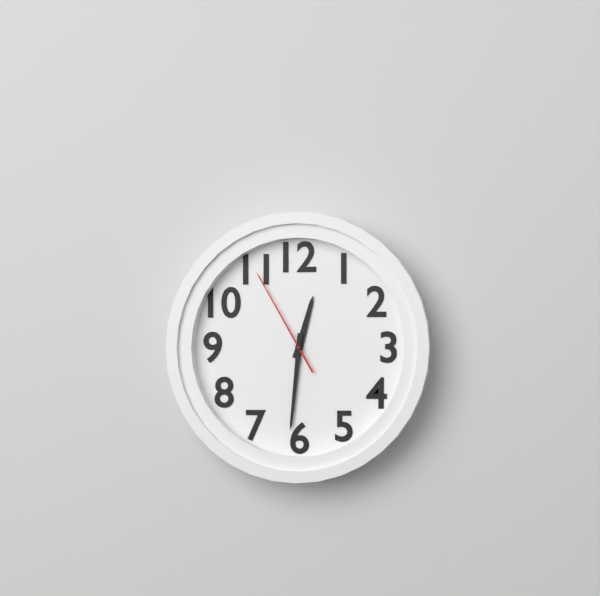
12,31,55
